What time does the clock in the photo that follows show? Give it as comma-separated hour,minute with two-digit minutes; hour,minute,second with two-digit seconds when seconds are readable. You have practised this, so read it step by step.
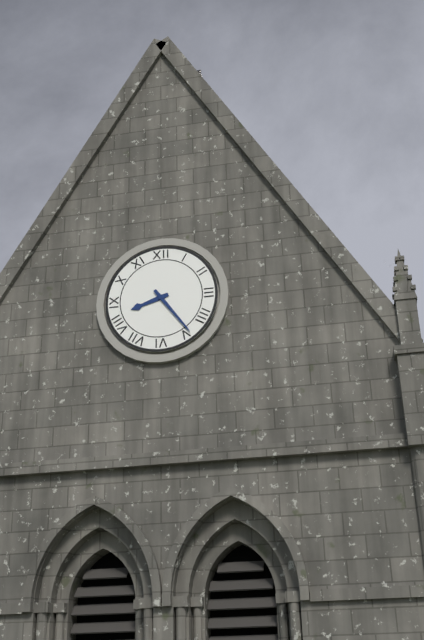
8,24
